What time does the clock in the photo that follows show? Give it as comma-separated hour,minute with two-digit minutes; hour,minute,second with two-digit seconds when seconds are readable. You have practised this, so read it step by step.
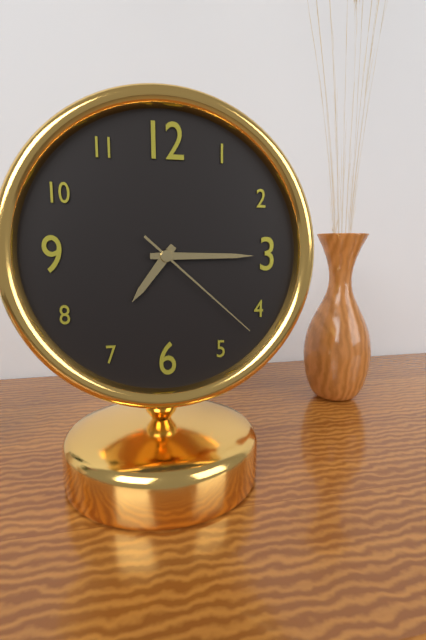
7,15,22
